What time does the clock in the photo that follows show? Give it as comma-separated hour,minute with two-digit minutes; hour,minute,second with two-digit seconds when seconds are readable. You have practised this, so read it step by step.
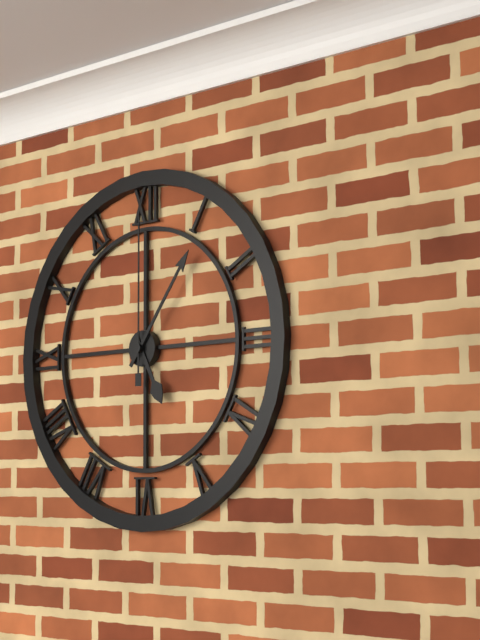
5,06,00
